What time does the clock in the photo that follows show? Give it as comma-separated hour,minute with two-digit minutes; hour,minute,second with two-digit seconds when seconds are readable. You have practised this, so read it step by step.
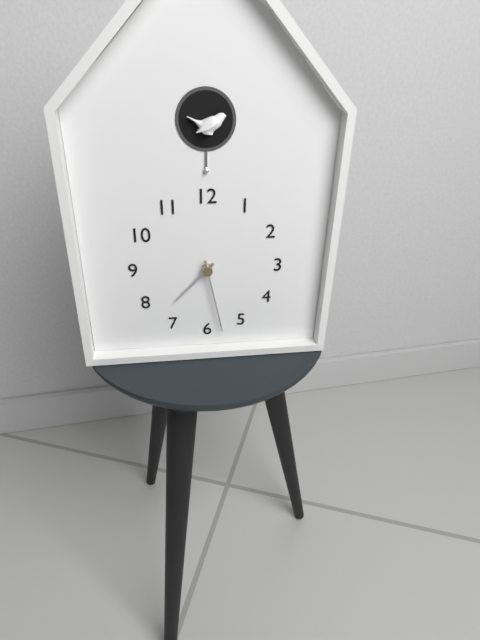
7,28
